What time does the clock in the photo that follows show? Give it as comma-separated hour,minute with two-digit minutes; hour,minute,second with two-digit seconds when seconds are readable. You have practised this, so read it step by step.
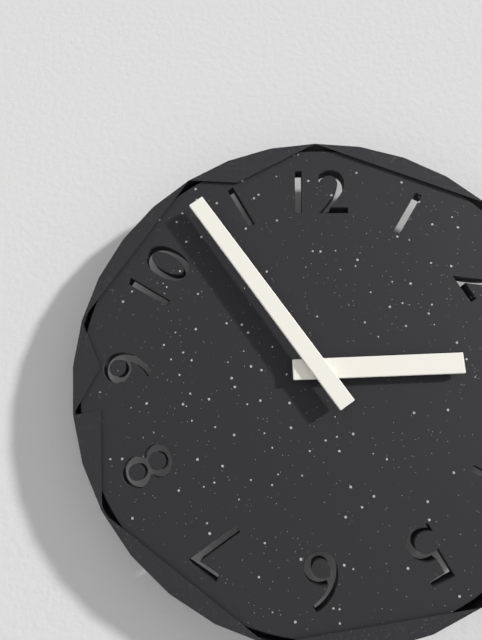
2,54
